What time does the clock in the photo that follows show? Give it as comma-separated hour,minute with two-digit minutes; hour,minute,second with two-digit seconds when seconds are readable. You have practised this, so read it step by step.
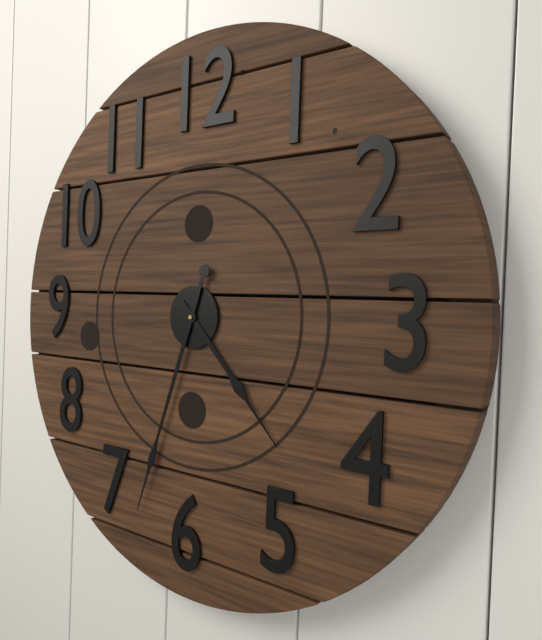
4,33
